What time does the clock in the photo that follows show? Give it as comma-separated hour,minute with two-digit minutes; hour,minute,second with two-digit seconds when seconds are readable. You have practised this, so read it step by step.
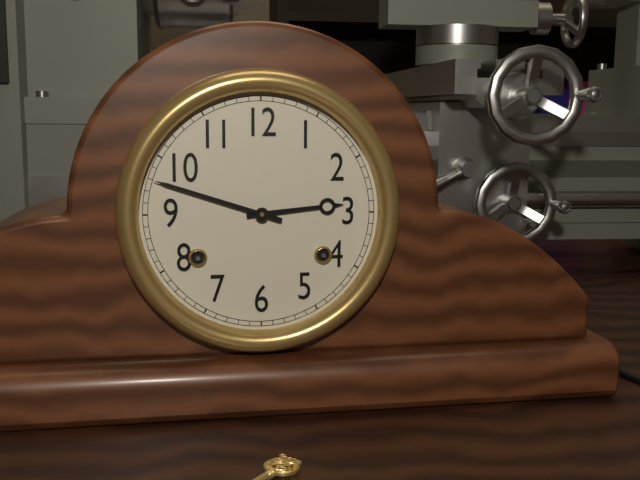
2,48
